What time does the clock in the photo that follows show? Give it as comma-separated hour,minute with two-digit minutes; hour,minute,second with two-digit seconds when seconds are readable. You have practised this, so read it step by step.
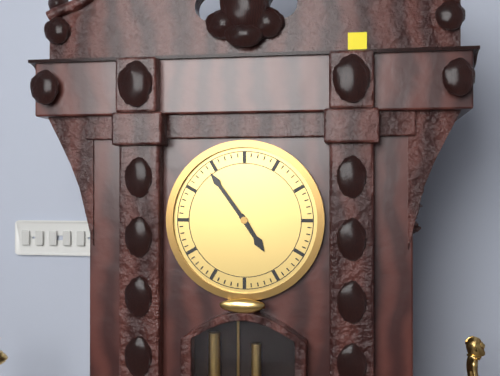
4,54
